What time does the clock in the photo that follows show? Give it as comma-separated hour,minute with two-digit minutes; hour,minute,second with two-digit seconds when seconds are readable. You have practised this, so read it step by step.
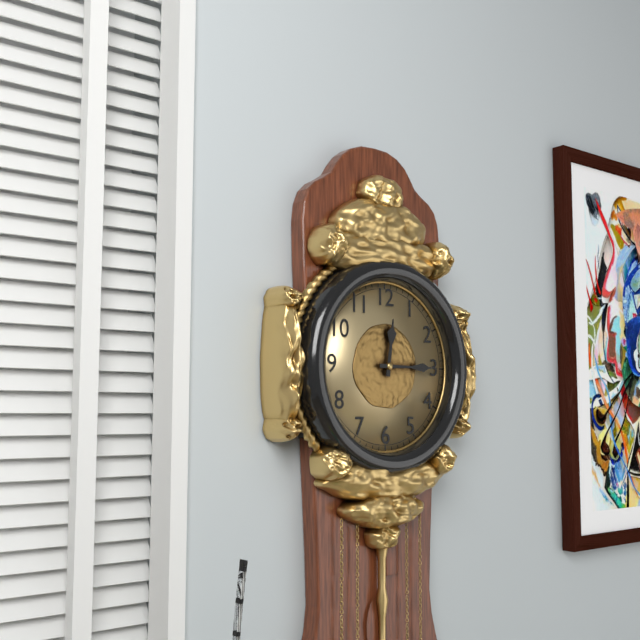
12,15
